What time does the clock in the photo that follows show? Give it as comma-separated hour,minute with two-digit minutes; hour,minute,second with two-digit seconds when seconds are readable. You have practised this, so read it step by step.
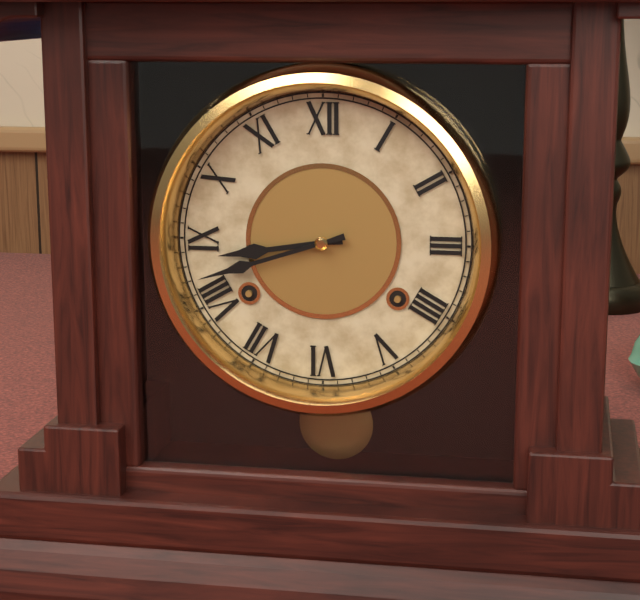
8,42
